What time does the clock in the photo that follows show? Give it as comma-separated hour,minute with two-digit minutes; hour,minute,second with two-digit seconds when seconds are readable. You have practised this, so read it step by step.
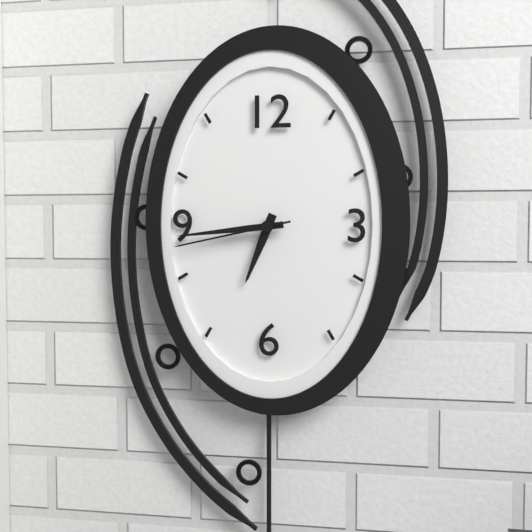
6,44,43
